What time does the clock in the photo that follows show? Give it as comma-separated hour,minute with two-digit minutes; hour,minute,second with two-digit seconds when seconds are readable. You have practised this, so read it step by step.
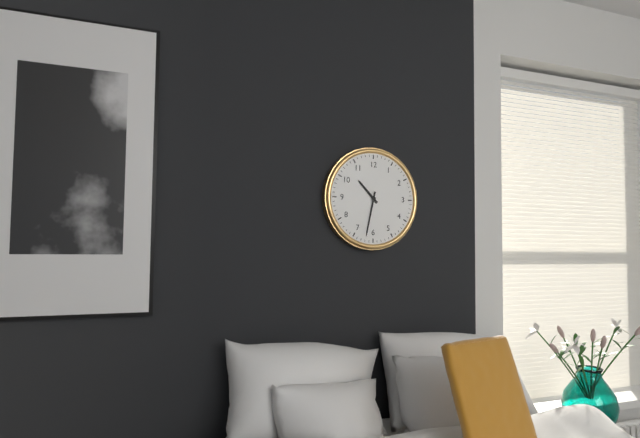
10,32
